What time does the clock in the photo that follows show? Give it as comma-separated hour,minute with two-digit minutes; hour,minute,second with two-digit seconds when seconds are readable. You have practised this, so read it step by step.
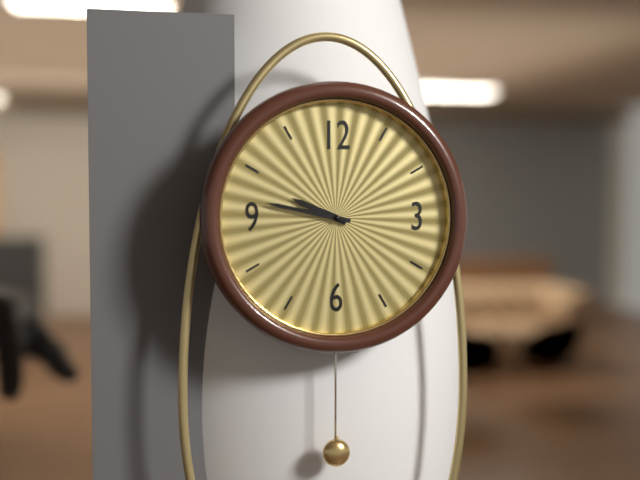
9,47
